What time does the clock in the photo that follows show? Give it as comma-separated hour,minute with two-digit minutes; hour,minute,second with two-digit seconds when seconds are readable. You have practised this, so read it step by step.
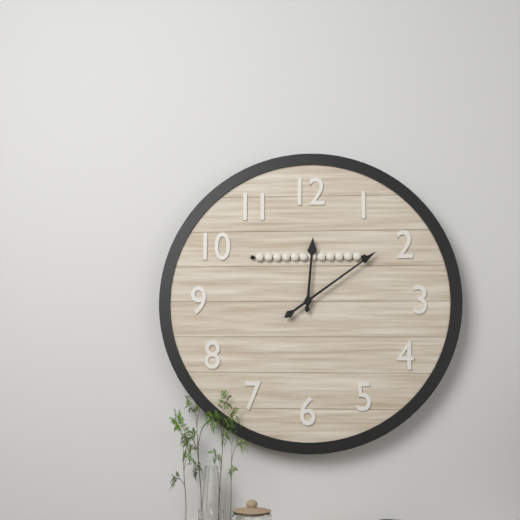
12,09
